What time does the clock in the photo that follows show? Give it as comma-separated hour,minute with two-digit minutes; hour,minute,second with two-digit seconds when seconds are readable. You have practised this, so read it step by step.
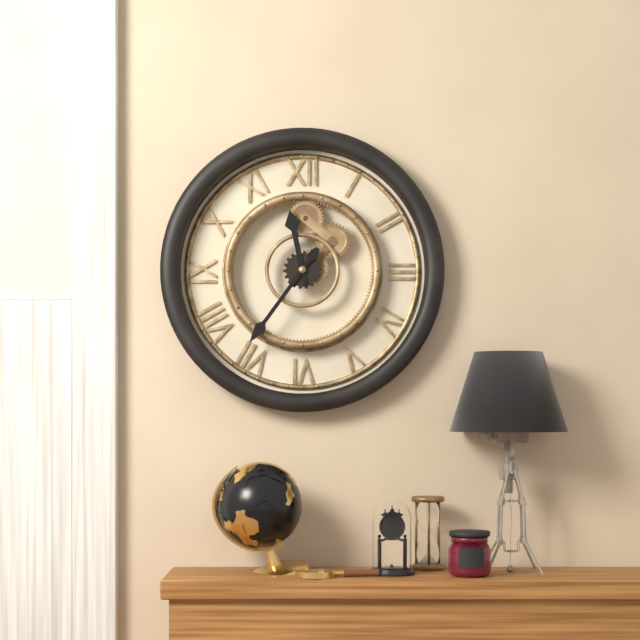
11,36
